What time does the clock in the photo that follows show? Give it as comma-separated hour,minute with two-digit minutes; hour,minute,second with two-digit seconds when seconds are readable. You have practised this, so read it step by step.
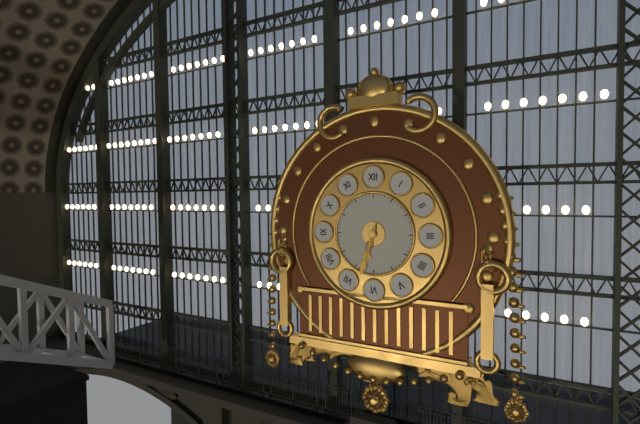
6,33
